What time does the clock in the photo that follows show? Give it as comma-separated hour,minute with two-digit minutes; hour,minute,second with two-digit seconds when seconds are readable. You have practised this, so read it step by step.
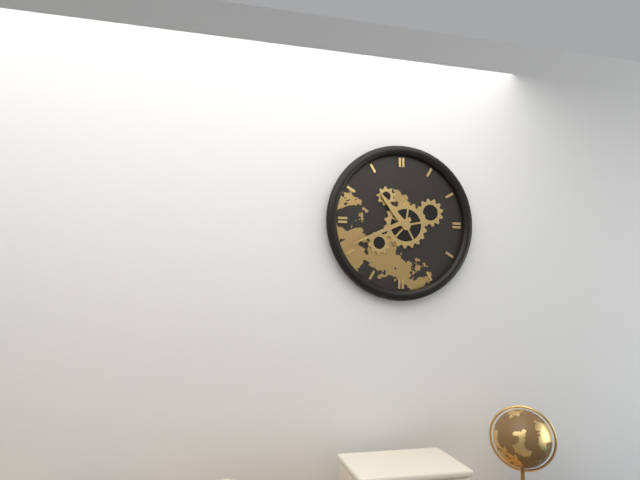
10,41
